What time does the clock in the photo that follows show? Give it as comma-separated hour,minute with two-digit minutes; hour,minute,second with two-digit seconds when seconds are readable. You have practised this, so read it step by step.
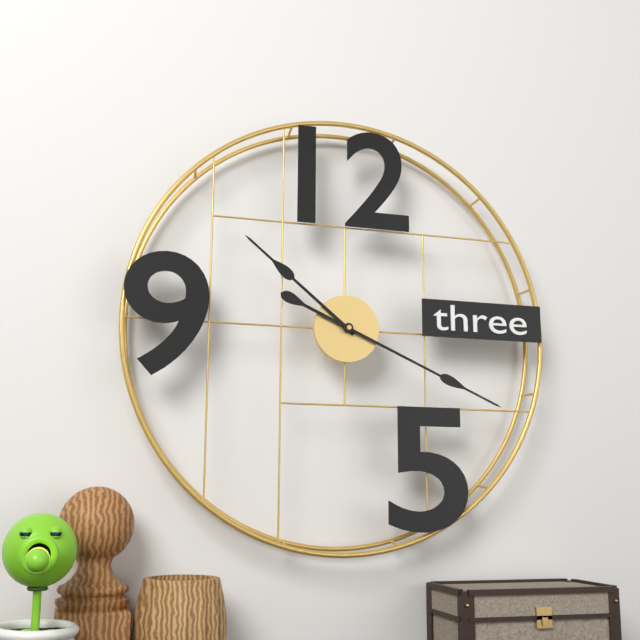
10,19
